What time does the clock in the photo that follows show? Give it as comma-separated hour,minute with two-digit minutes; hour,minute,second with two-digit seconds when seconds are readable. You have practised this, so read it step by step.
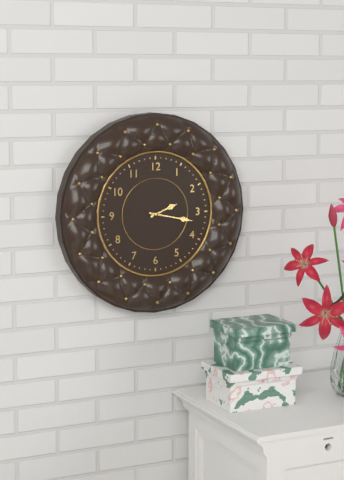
2,17
